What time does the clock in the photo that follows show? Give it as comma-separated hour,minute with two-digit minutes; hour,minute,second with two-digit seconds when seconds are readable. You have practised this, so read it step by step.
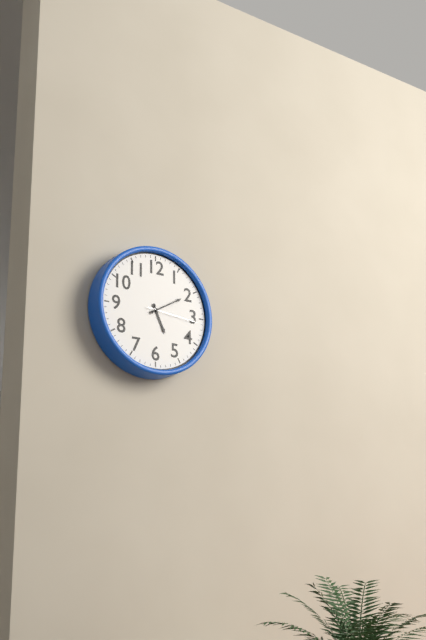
5,10,16
